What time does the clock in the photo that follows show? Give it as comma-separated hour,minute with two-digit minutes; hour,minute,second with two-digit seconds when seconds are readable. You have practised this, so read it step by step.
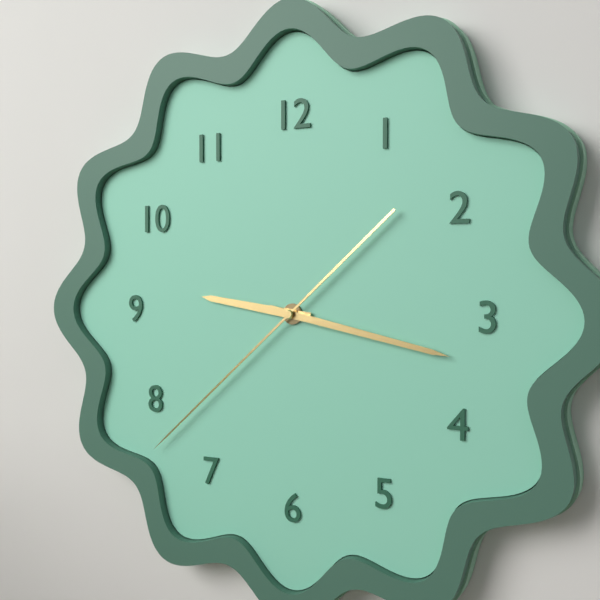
9,17,38
